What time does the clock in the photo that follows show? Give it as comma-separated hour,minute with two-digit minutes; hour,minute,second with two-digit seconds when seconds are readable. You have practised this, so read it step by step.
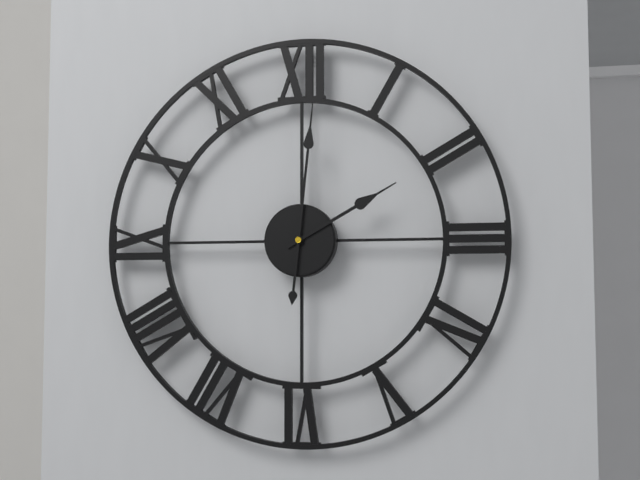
2,01
